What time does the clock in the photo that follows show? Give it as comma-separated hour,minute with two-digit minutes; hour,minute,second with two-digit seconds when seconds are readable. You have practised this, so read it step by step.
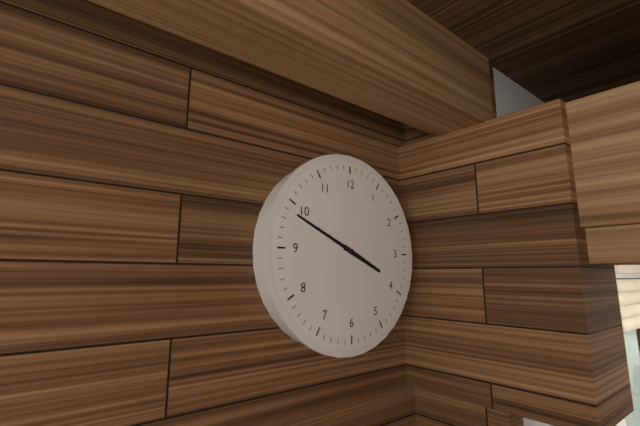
3,49
